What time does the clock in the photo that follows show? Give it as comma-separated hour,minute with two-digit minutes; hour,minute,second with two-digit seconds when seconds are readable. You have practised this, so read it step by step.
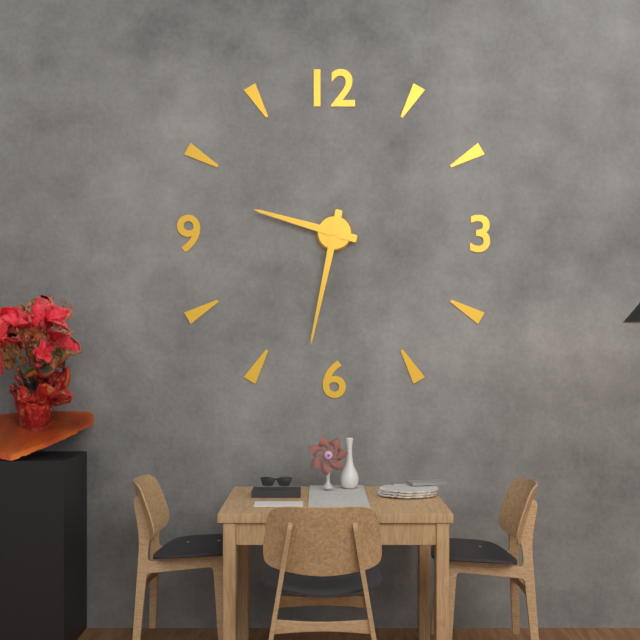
9,32
